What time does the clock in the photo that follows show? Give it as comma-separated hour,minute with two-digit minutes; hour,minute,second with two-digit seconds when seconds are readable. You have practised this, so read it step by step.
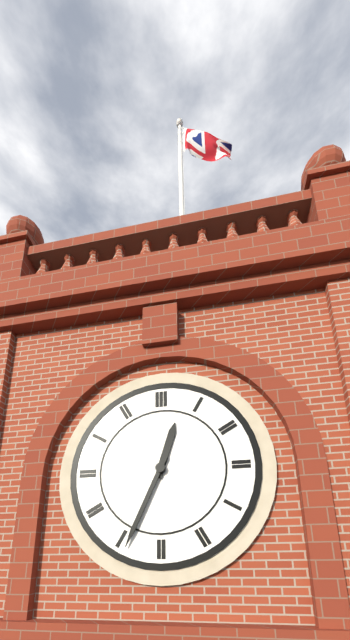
12,34
